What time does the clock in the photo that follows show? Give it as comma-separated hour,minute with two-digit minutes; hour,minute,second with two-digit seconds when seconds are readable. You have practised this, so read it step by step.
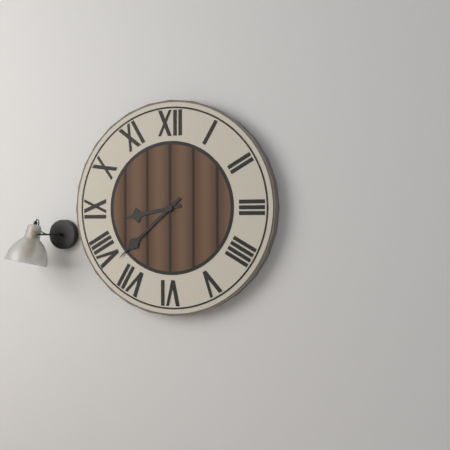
8,38
